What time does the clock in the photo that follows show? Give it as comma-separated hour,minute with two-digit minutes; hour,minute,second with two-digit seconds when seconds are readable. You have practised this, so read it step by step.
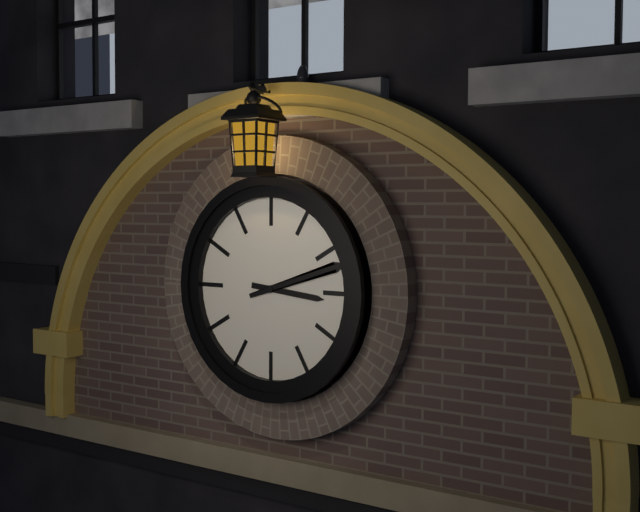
3,12
